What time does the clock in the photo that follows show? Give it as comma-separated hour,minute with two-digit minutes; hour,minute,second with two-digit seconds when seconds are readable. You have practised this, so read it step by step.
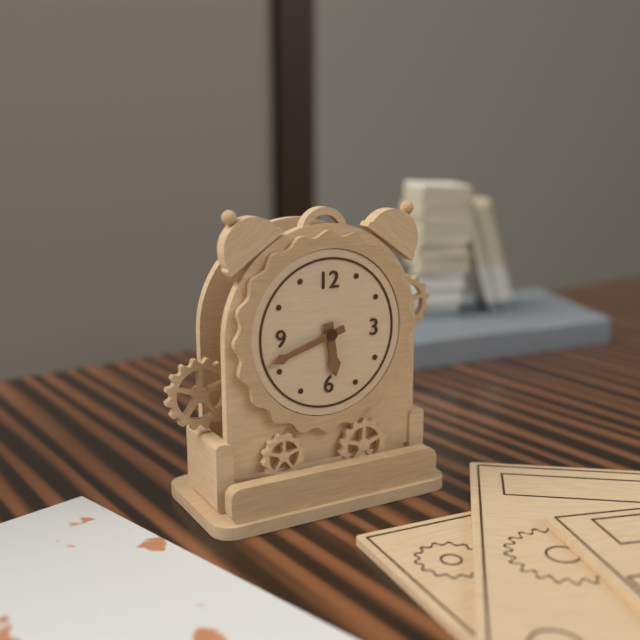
5,42
